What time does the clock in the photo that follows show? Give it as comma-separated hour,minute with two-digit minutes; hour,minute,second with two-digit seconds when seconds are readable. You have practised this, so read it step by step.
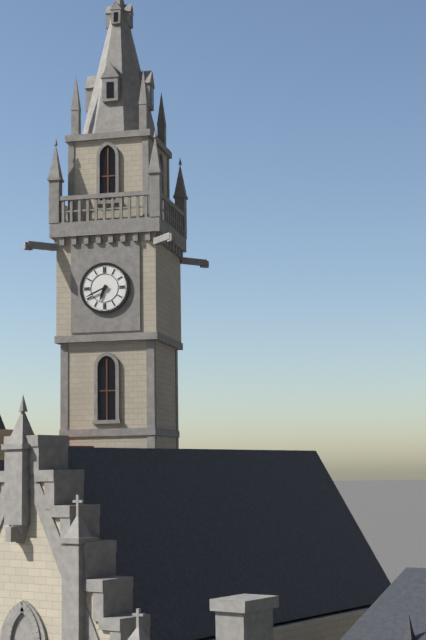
6,41
